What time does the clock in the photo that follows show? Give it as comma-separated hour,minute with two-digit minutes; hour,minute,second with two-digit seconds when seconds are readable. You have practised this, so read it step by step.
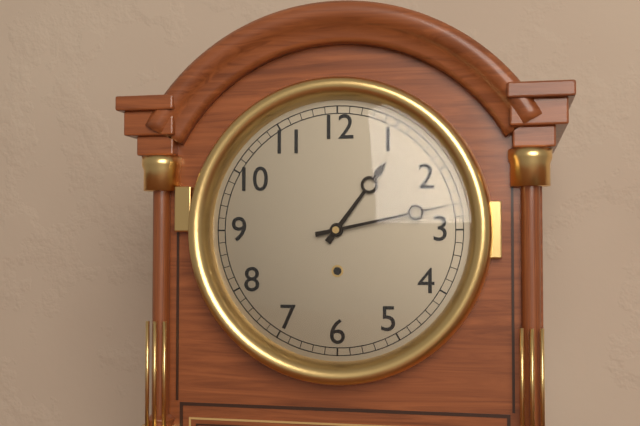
1,13
